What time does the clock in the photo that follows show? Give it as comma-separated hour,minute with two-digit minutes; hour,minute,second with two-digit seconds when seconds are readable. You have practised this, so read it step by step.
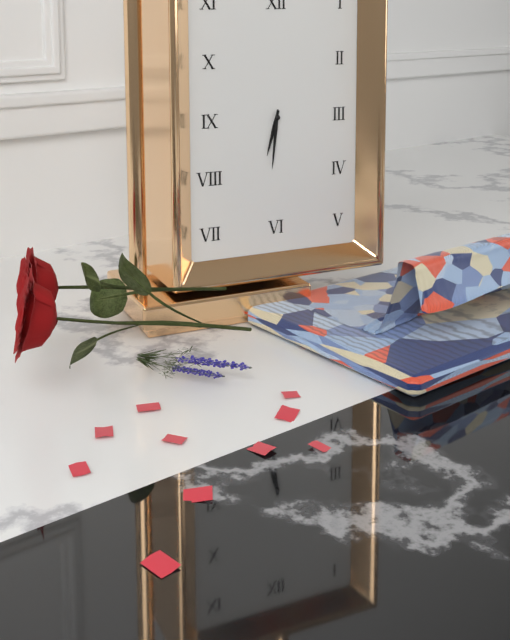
6,31
